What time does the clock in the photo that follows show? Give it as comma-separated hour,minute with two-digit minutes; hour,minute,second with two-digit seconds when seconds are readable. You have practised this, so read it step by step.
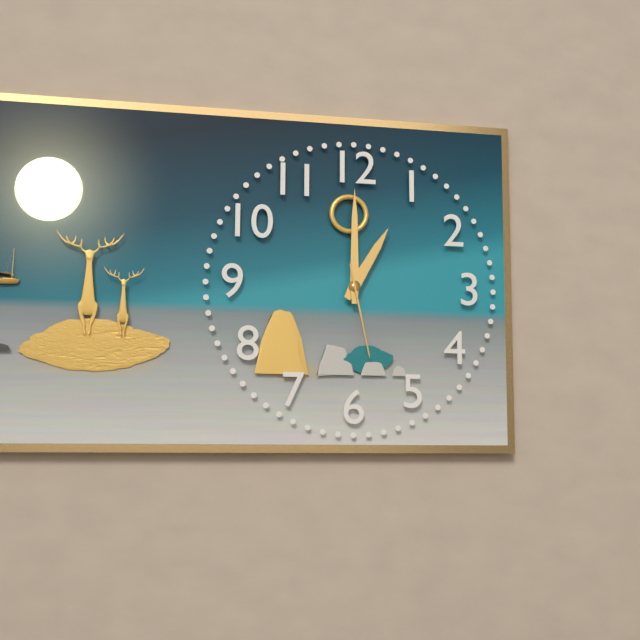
1,00,28
